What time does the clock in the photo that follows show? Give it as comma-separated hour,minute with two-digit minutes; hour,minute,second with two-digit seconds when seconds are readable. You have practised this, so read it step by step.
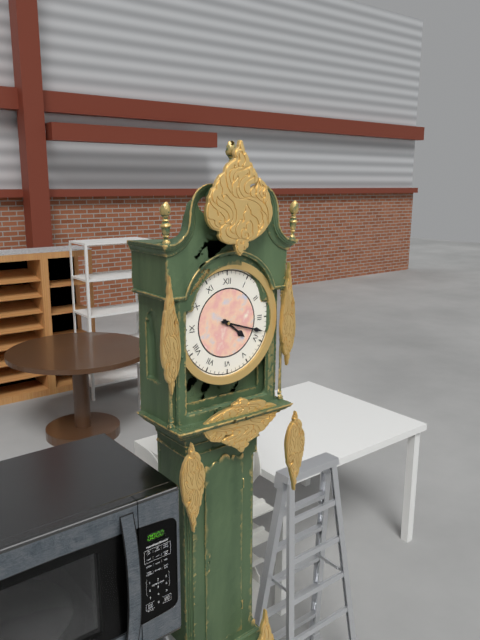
4,18
